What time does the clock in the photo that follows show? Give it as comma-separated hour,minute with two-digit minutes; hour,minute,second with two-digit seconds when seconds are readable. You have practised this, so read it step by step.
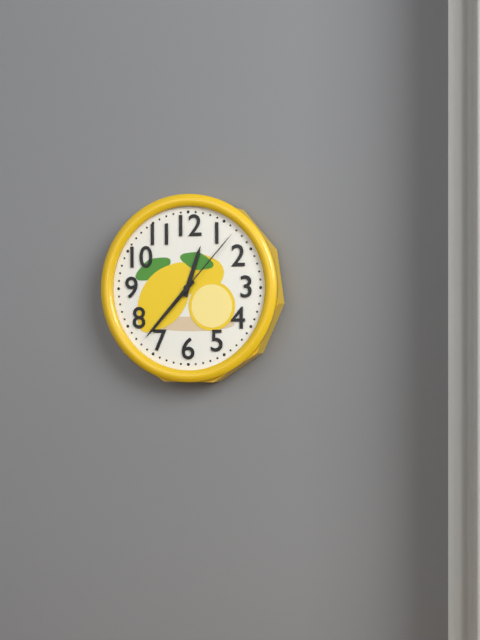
12,37,07
